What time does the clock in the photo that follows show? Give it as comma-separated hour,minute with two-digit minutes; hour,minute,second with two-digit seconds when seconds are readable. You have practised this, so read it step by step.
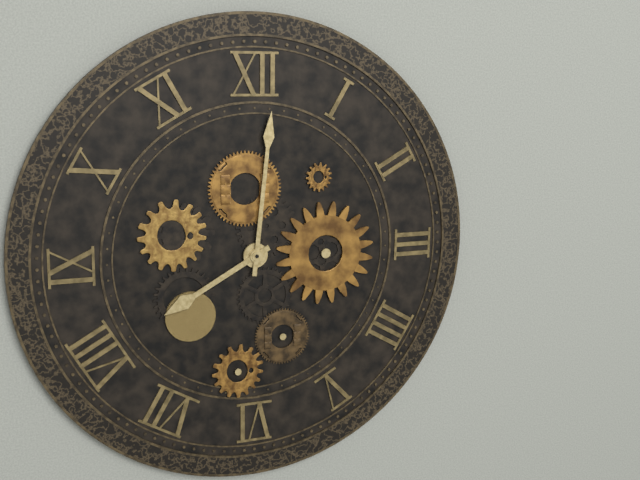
8,01
